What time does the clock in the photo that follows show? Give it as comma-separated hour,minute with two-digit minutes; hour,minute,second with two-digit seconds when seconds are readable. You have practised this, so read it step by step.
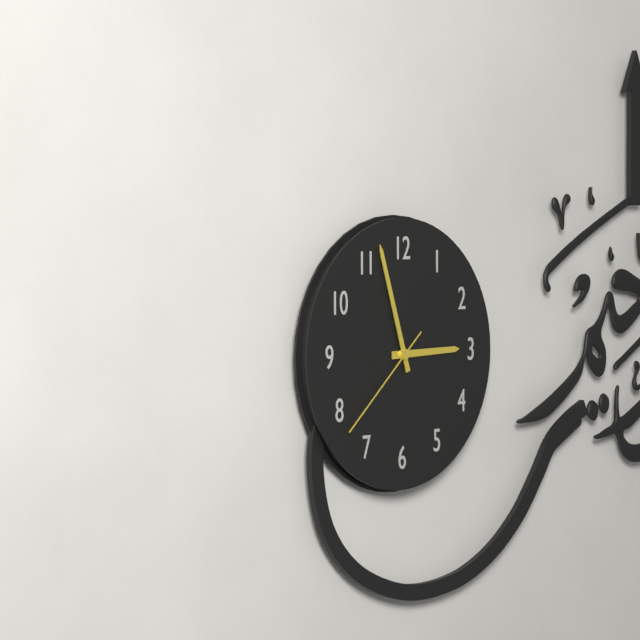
2,57,38
